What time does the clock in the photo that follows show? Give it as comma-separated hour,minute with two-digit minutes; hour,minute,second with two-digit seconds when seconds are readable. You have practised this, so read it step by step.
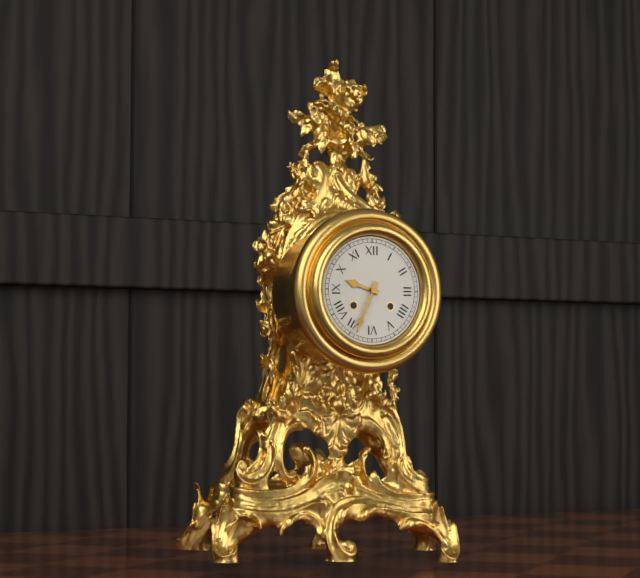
9,34
